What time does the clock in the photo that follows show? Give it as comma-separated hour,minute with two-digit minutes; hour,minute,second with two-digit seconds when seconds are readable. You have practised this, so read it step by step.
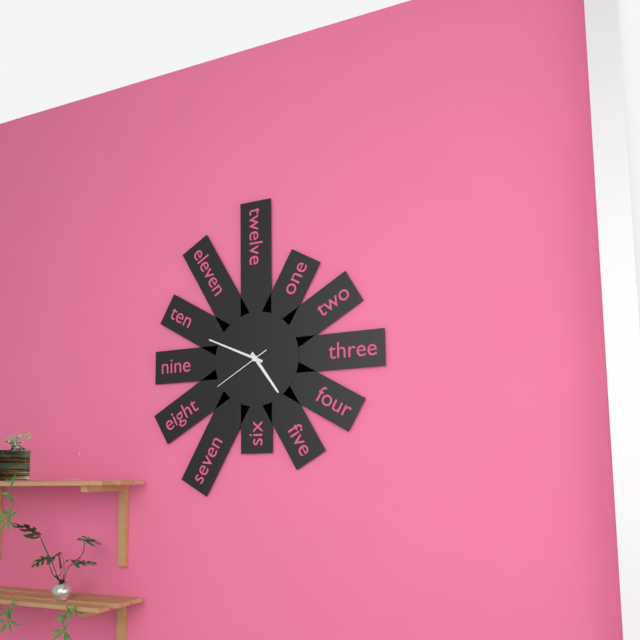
4,49,40
